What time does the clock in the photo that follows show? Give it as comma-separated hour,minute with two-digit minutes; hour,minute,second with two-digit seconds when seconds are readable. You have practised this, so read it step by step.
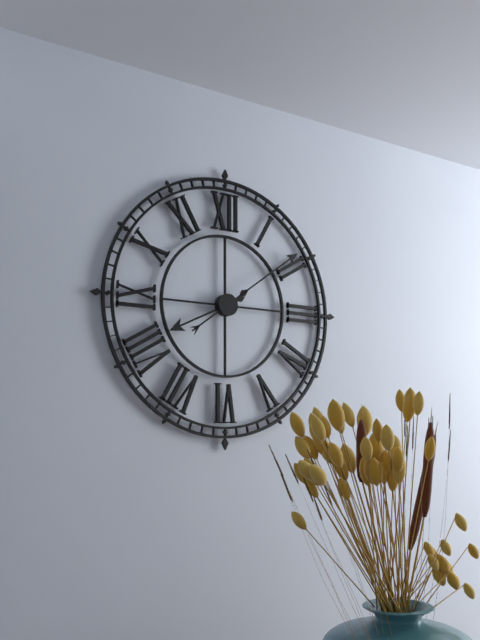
8,09
